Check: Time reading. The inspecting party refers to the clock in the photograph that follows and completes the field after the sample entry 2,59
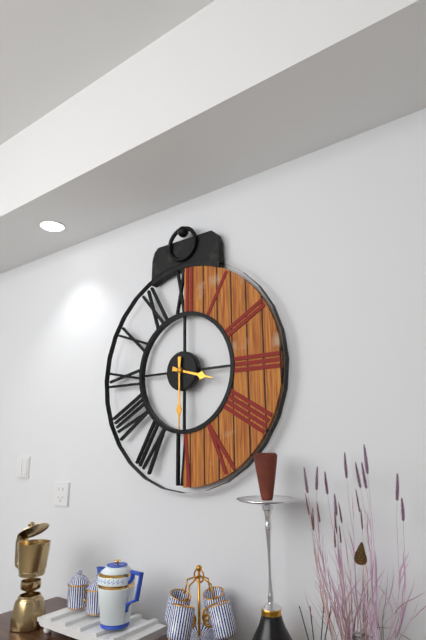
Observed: 3,30
